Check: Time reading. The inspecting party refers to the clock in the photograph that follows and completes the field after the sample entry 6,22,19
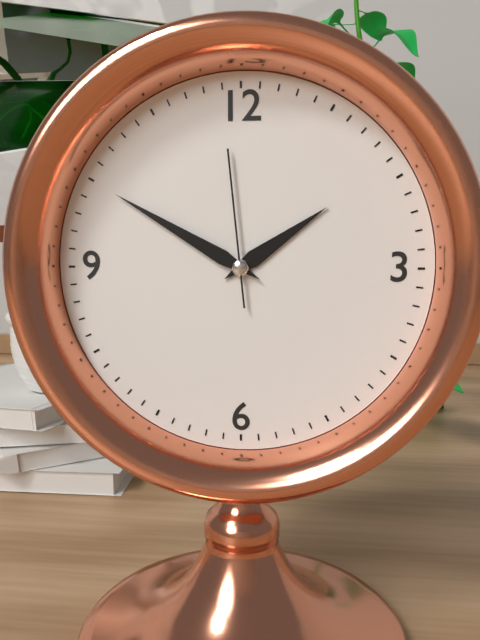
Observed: 1,50,59
